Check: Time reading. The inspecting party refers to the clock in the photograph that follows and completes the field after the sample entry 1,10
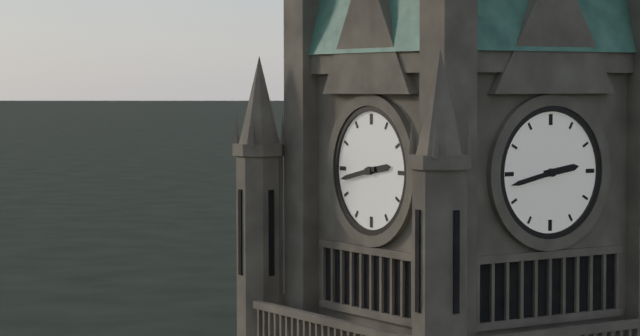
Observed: 2,43
